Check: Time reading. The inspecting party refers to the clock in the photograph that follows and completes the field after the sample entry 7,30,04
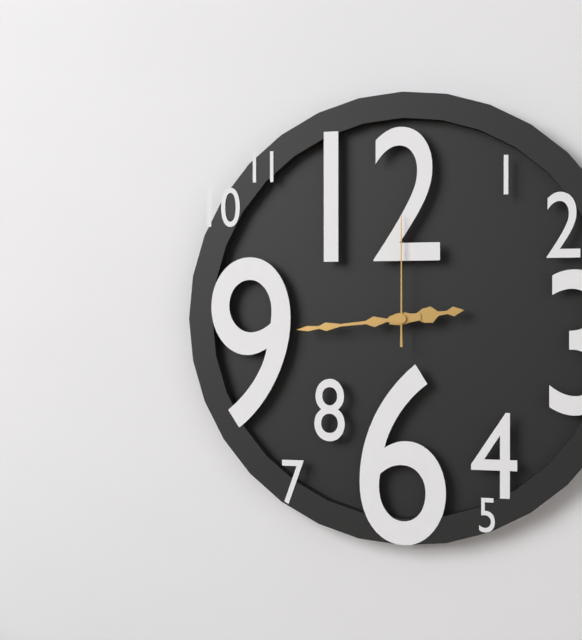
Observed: 2,44,00
